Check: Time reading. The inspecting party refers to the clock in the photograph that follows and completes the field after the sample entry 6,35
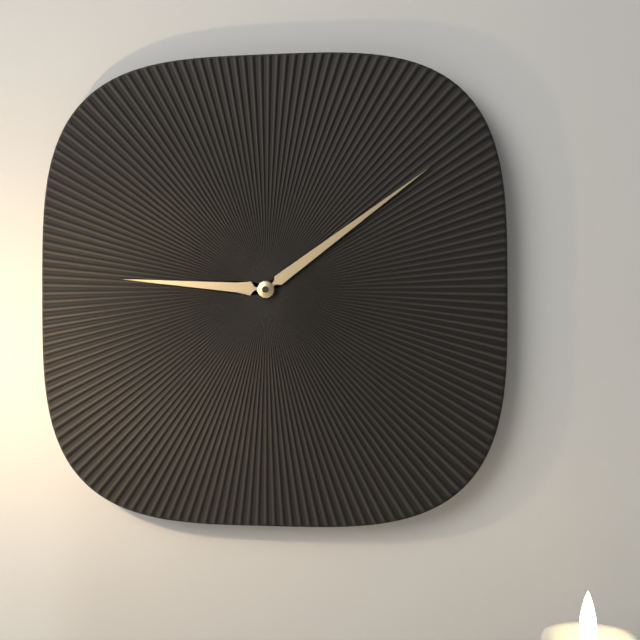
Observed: 9,09
